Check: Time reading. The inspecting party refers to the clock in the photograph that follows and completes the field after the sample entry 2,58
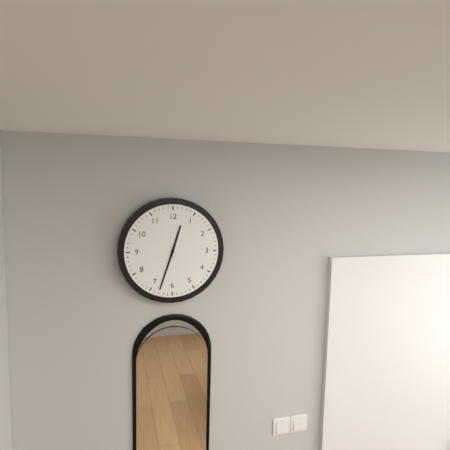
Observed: 12,33
